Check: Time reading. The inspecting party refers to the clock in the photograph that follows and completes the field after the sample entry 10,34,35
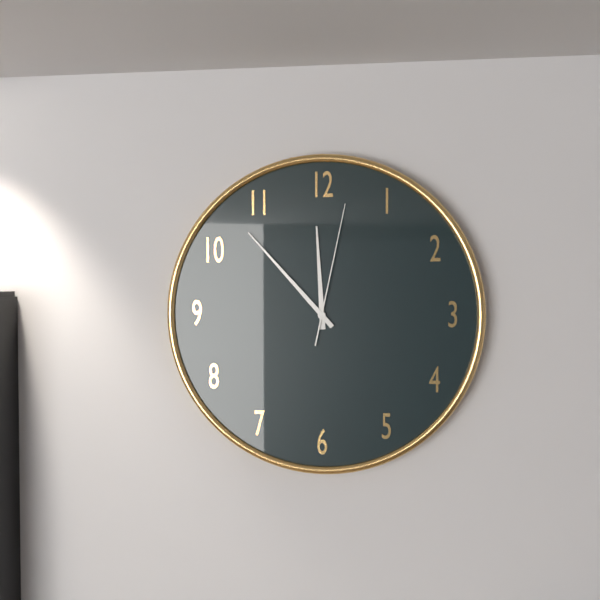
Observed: 11,53,02
